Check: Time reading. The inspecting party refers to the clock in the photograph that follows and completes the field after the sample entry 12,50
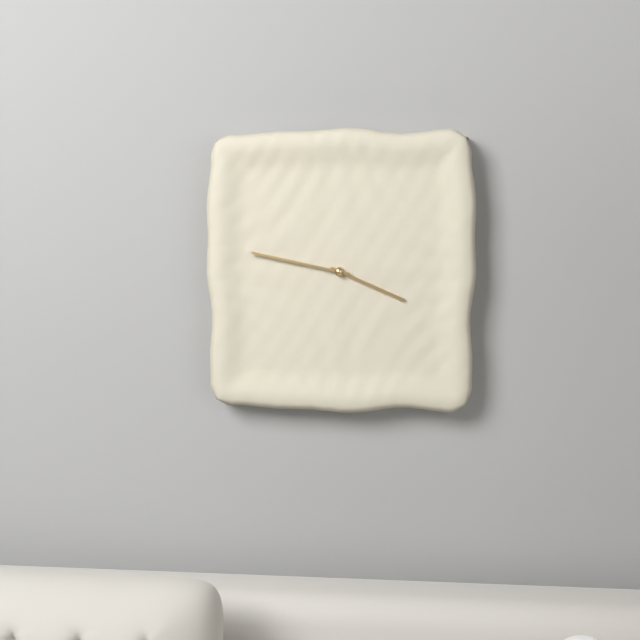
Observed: 3,47
